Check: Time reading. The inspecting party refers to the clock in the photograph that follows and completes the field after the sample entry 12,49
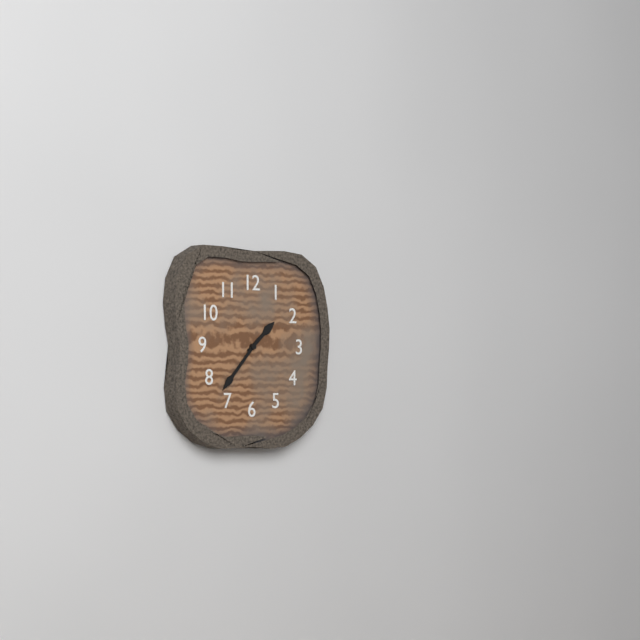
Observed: 1,37
